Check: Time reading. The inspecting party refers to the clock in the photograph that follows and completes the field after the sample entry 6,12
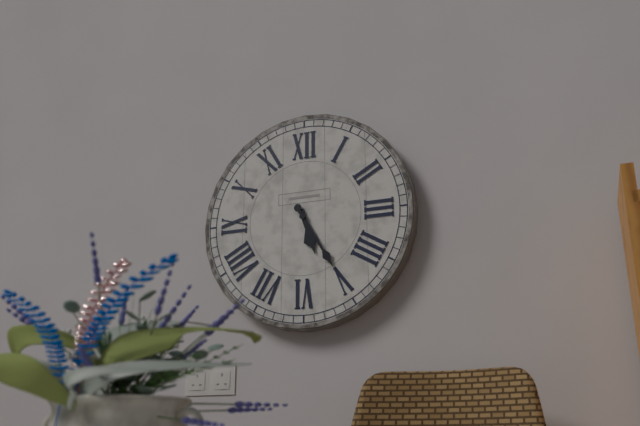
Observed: 5,25
